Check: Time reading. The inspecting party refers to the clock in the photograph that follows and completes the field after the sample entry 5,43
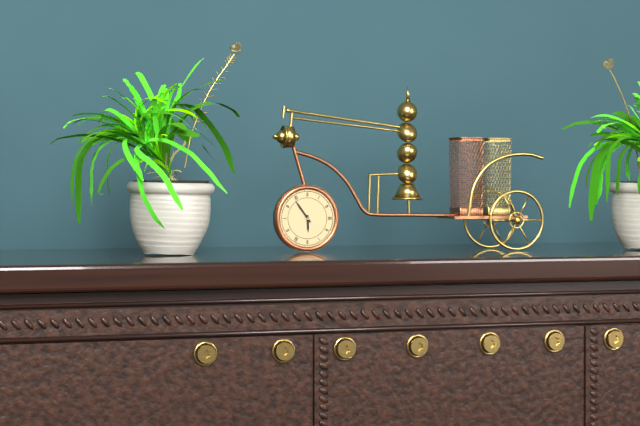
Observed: 5,54
